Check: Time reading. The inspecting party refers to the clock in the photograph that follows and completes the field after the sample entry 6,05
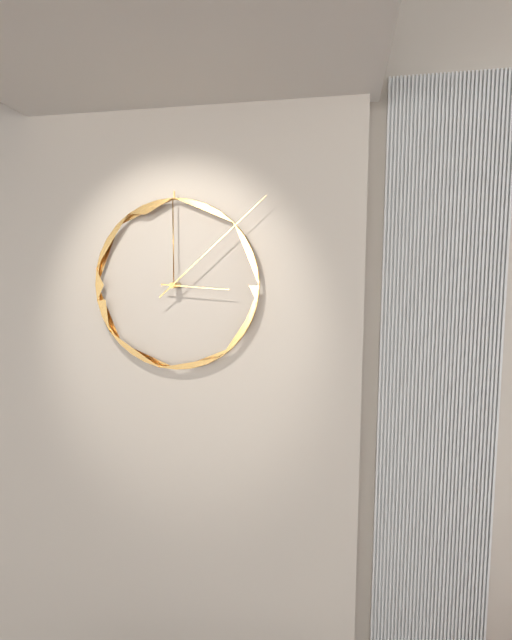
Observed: 3,08
